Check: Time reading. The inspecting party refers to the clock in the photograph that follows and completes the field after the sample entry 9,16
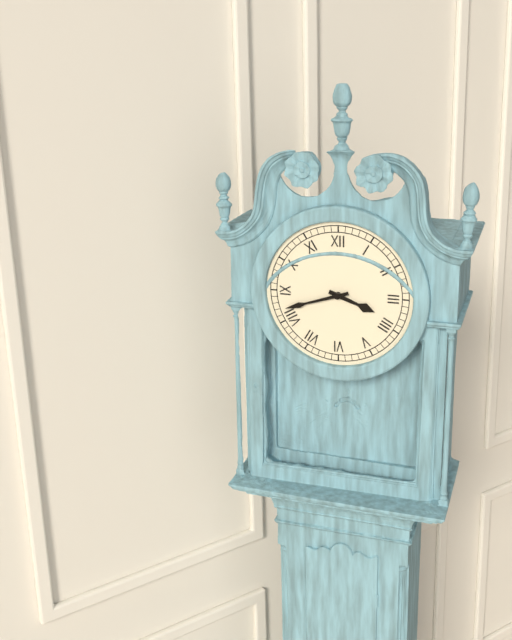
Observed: 3,42
